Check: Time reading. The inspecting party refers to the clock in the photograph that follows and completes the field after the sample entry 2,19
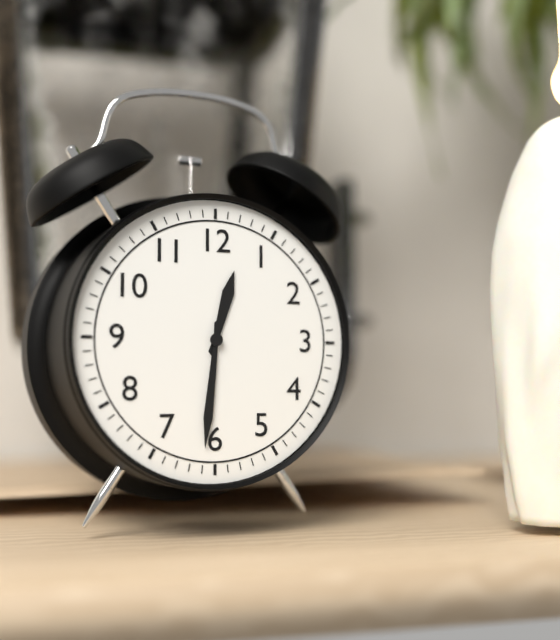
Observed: 12,31
